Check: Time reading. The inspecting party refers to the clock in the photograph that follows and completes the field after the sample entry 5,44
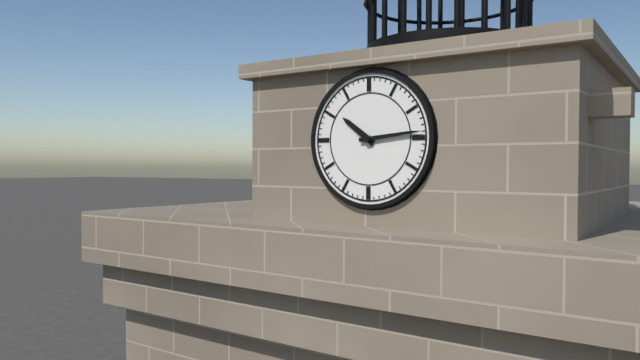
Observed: 10,14
